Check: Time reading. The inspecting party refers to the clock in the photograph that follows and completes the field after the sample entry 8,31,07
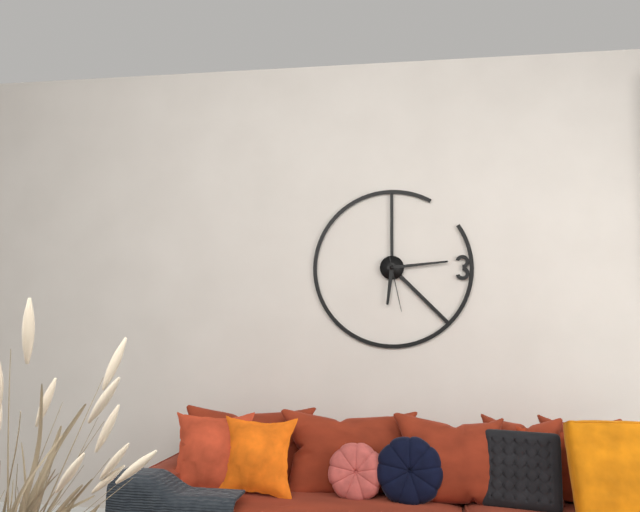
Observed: 6,14,28
